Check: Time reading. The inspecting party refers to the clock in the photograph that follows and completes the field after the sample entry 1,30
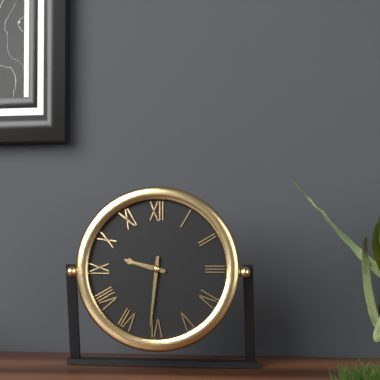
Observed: 9,31
